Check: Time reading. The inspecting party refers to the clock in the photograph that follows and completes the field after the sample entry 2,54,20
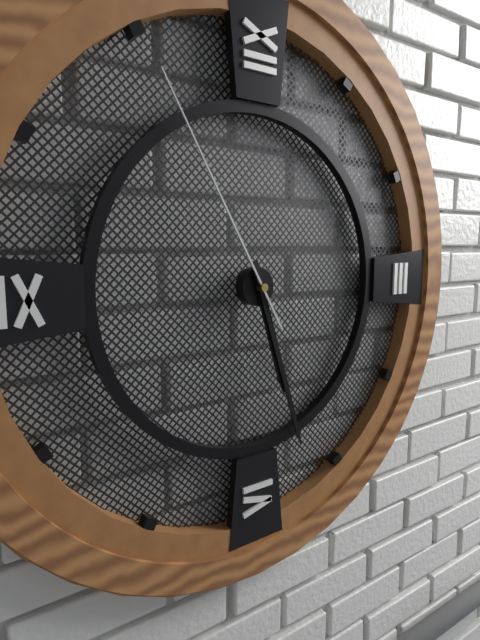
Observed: 5,27,55
